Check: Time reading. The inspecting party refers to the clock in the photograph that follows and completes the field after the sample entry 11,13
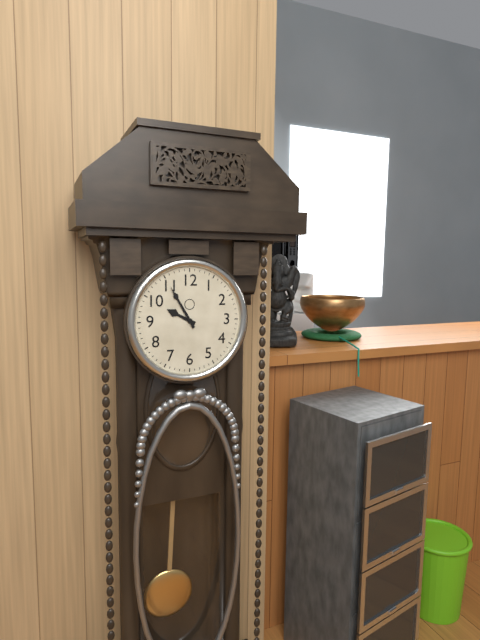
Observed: 9,55
